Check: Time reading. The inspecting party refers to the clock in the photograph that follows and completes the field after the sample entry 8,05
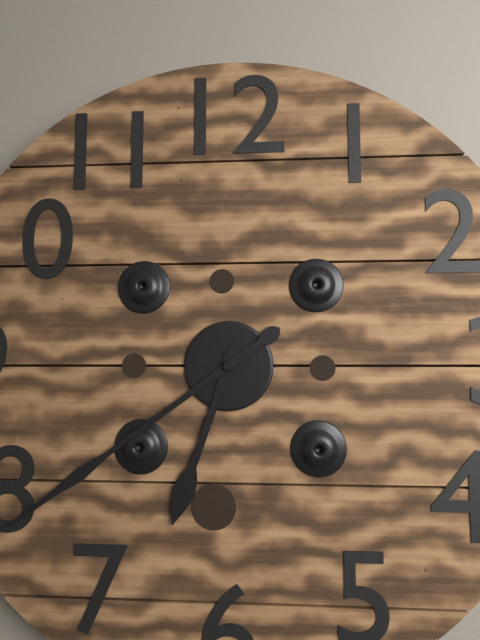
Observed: 6,39
